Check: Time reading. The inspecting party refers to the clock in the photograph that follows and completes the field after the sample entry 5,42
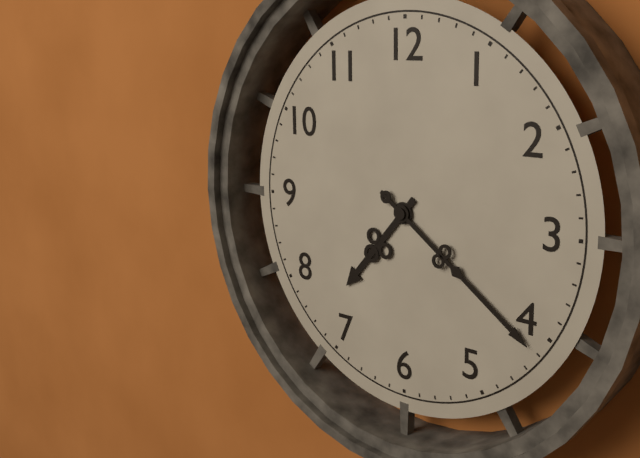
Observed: 7,21
